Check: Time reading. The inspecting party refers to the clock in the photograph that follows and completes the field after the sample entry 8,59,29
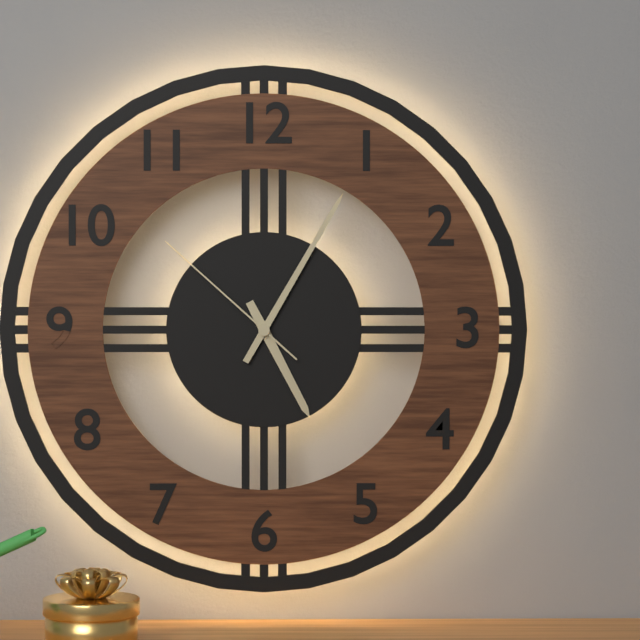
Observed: 5,05,52
